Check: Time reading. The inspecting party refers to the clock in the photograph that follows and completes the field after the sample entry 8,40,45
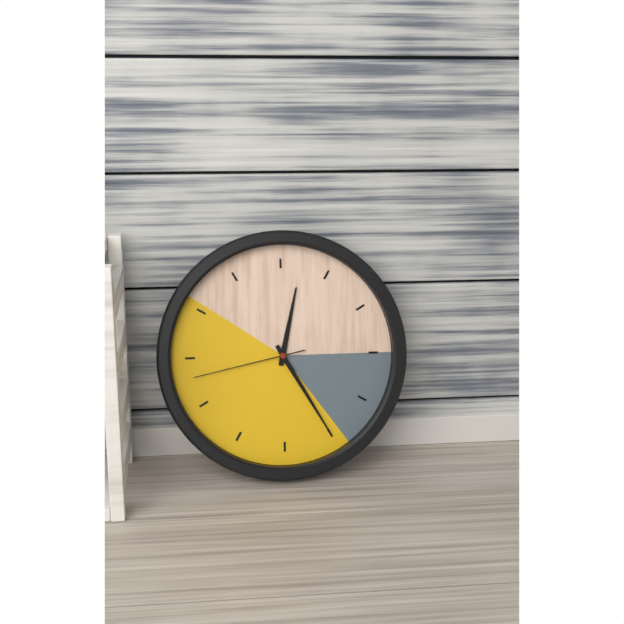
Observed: 12,25,43
